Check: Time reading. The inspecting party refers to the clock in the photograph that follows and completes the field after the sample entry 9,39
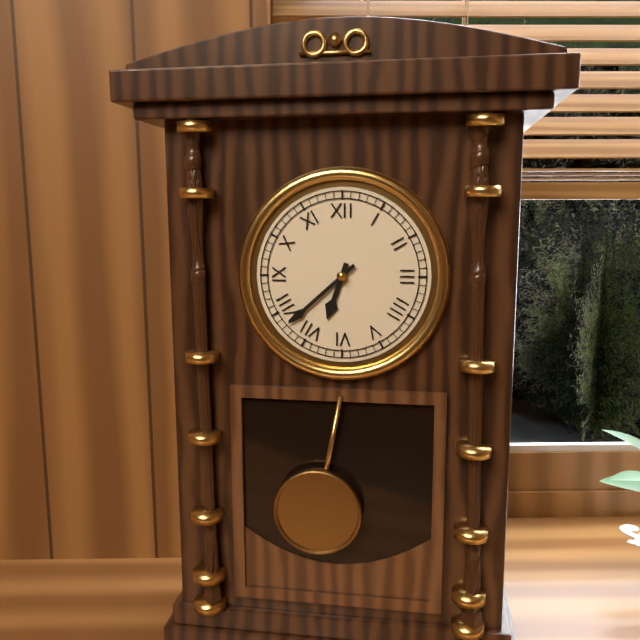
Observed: 6,38
